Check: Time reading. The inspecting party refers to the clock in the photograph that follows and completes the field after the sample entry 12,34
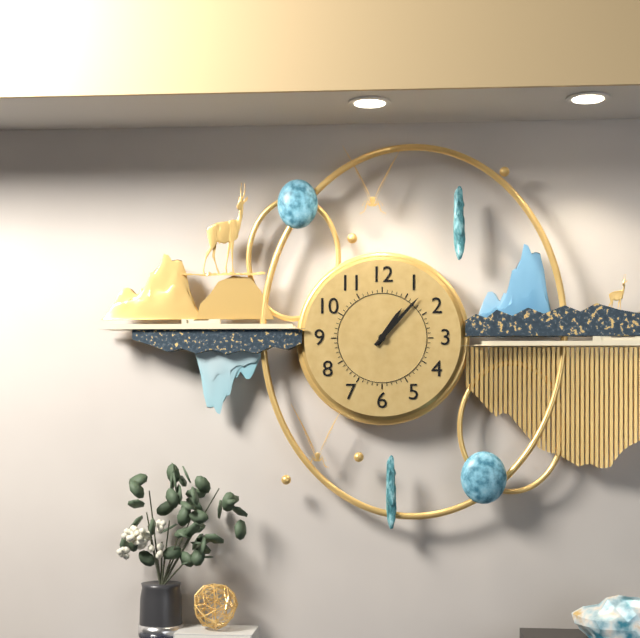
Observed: 1,07
